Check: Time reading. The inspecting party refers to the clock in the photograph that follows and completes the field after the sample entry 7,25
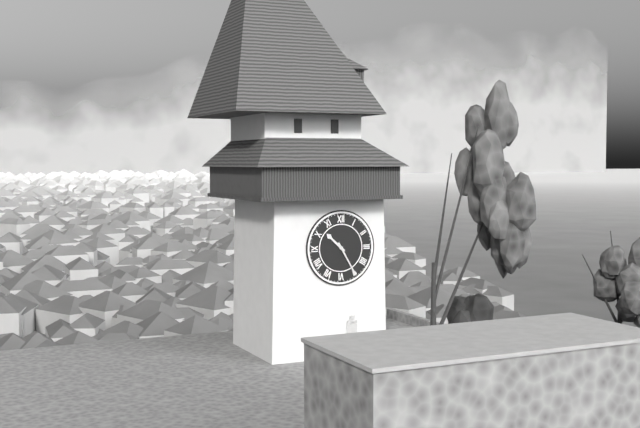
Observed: 10,25
